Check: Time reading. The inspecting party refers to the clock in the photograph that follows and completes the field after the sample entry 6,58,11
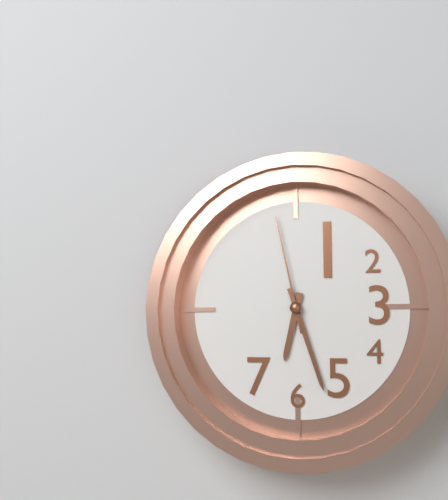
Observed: 6,27,58
